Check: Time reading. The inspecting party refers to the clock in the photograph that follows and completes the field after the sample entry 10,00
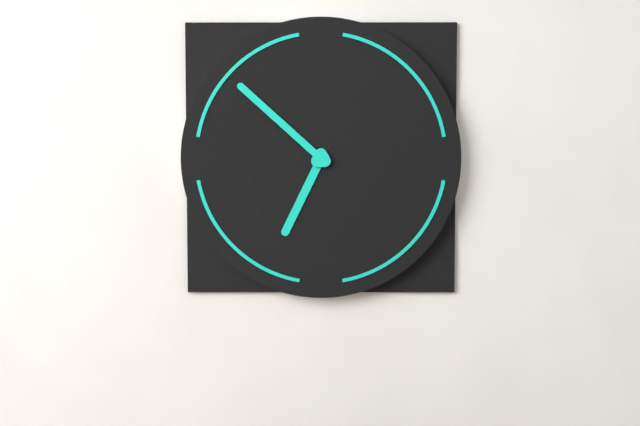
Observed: 6,52
